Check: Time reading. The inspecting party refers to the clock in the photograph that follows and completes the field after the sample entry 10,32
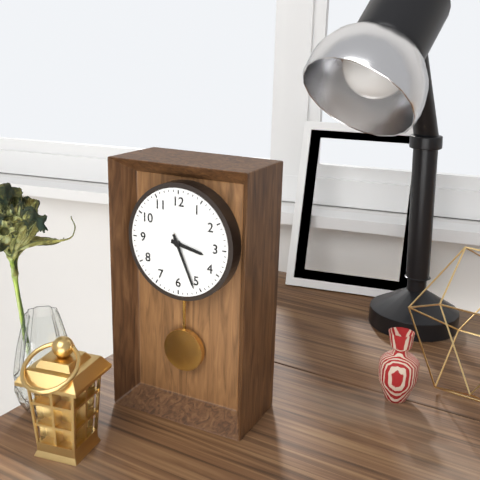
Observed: 3,26
